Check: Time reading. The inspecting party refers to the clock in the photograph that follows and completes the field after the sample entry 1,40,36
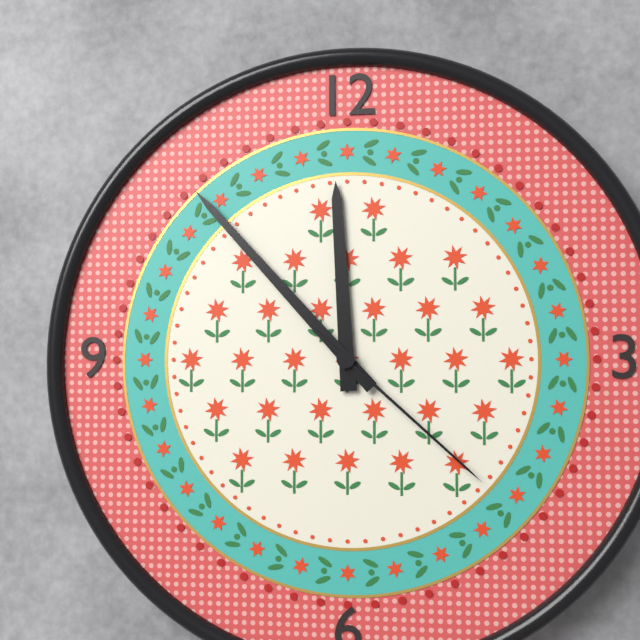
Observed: 11,53,22
